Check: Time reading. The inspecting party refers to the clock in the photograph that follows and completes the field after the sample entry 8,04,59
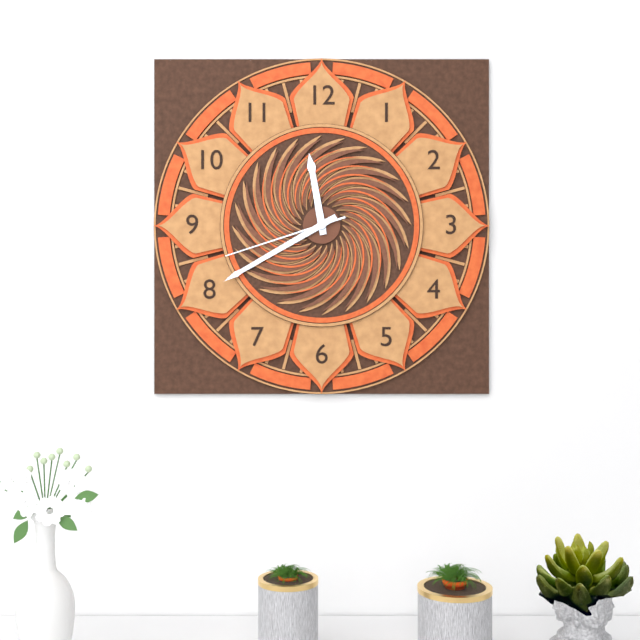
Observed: 11,40,42
